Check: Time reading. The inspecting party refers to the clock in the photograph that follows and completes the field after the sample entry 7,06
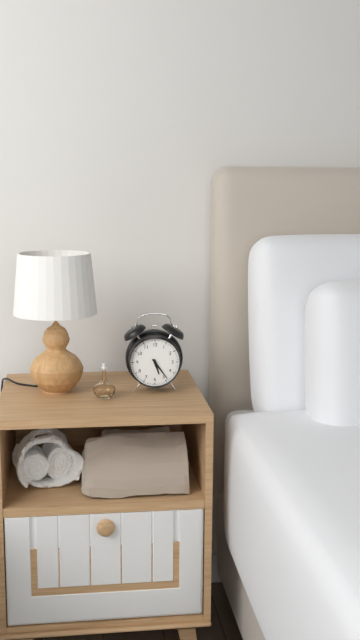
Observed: 5,24
